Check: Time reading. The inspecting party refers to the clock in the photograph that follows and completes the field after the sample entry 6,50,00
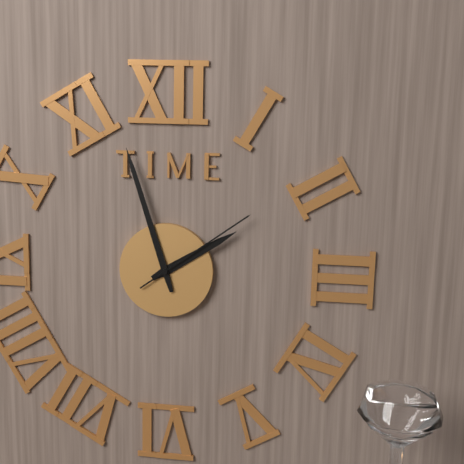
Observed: 1,57,09
